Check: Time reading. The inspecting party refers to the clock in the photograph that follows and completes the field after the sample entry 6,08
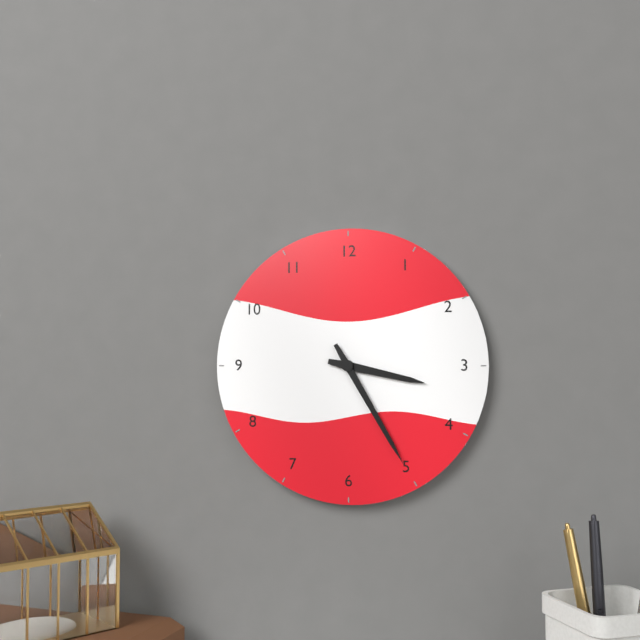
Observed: 3,25
